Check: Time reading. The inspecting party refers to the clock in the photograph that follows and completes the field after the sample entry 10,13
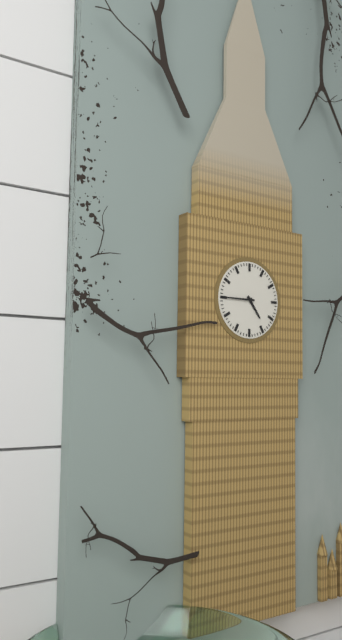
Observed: 4,45
